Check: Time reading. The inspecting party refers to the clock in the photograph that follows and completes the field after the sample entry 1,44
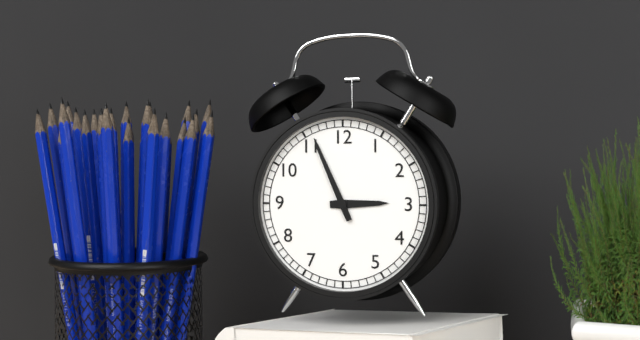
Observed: 2,56
